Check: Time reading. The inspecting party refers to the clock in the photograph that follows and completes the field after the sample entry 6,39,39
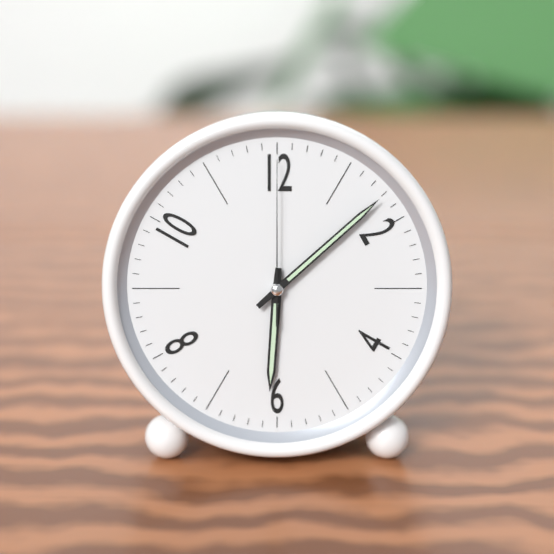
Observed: 6,08,00
